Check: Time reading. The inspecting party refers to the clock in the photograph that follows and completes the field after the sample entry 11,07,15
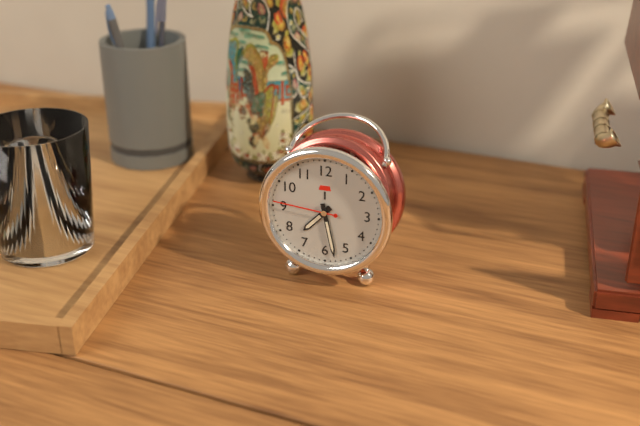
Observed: 7,28,46
